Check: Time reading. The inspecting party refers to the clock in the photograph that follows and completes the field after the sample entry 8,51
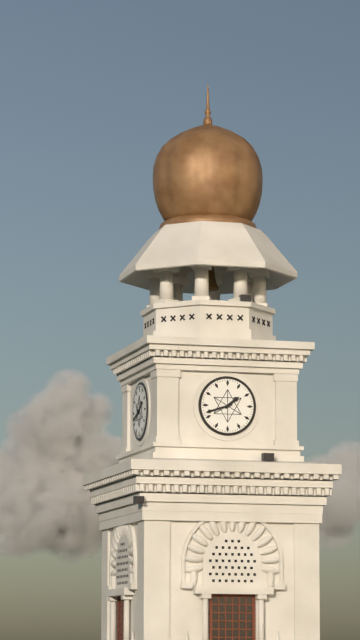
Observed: 1,42
